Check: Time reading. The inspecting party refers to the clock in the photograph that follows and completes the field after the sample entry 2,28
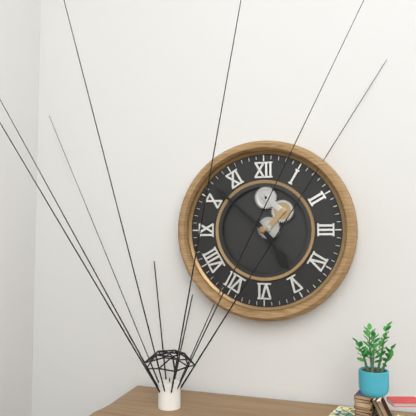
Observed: 4,52
